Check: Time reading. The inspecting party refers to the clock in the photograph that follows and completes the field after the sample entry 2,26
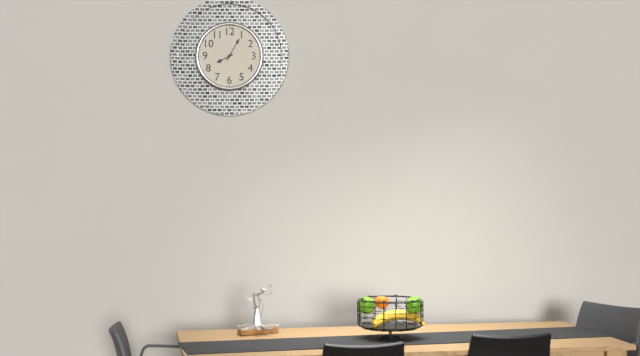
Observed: 8,05
